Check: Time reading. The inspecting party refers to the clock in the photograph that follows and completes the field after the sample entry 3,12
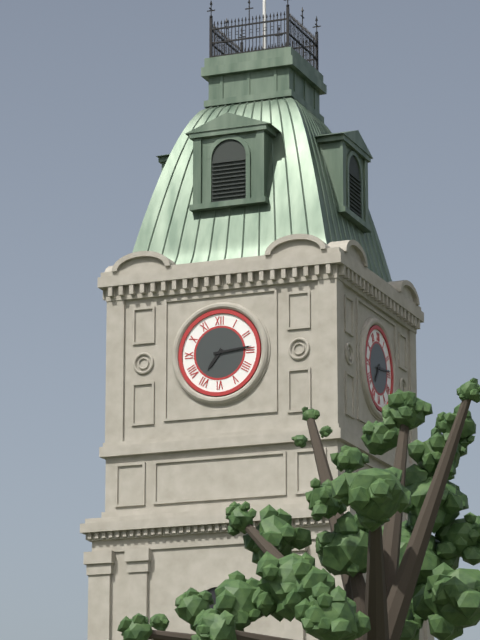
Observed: 7,14
